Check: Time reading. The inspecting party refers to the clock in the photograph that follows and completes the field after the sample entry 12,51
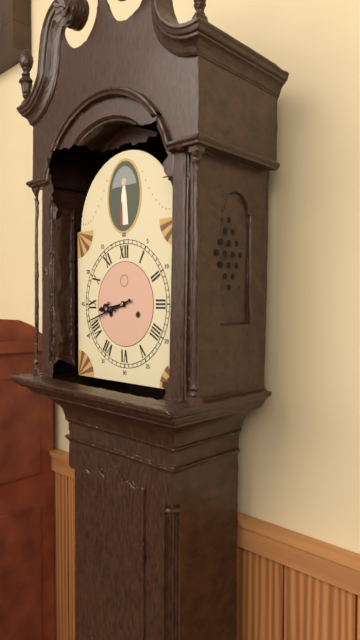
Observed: 8,42
